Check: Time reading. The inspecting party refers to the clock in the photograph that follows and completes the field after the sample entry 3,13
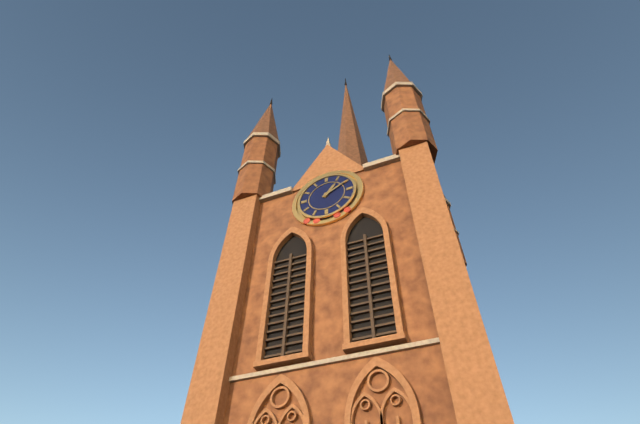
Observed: 1,10
